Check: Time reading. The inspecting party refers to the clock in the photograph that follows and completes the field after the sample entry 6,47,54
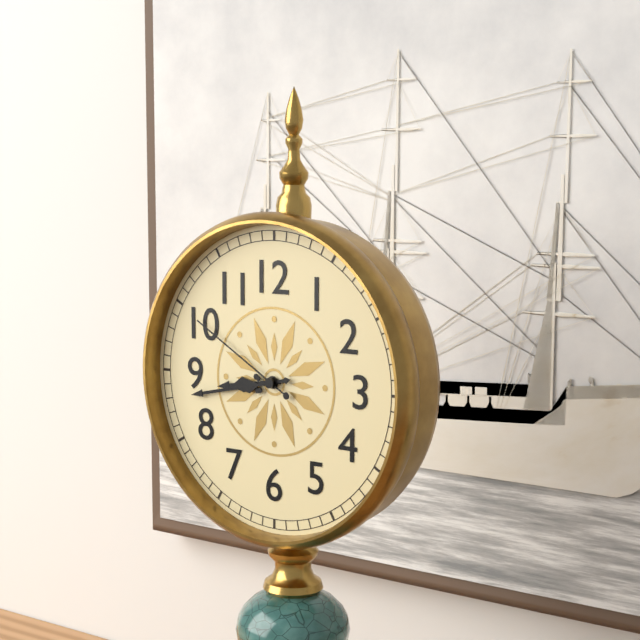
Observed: 8,43,50
